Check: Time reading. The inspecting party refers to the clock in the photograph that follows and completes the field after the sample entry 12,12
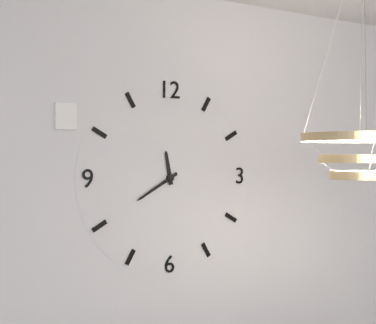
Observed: 11,40
